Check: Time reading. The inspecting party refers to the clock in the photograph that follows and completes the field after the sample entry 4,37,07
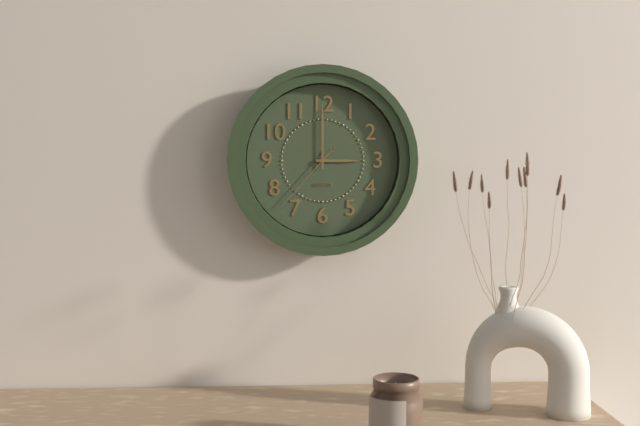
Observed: 3,00,37
